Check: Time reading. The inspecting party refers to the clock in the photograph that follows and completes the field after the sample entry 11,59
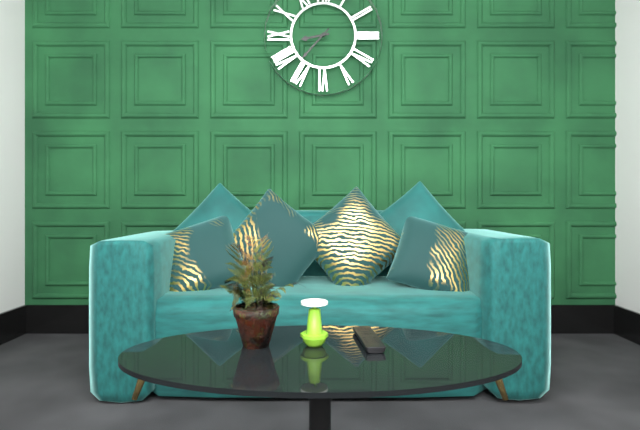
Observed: 8,37
